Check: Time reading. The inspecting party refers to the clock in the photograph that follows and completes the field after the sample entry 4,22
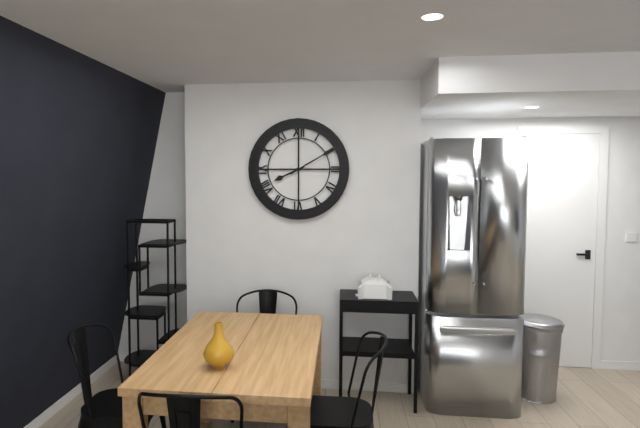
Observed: 8,10
